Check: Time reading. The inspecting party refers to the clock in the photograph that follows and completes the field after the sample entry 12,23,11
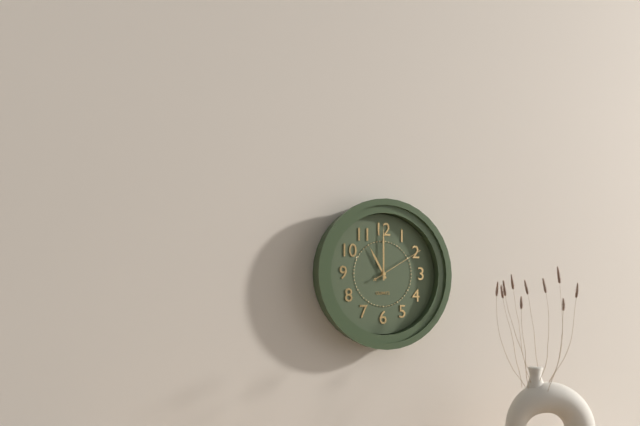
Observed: 11,00,10
